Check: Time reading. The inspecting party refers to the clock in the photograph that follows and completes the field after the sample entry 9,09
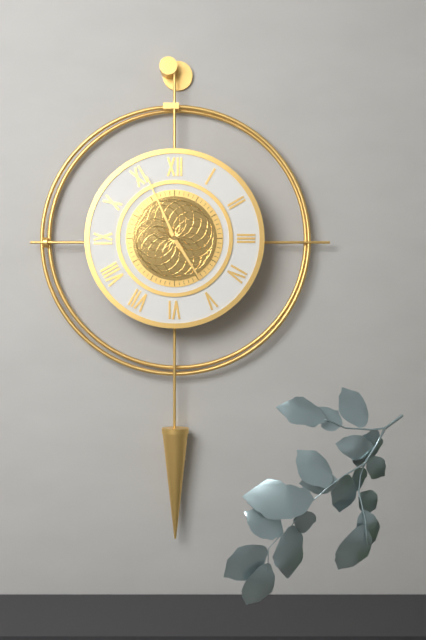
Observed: 4,56
